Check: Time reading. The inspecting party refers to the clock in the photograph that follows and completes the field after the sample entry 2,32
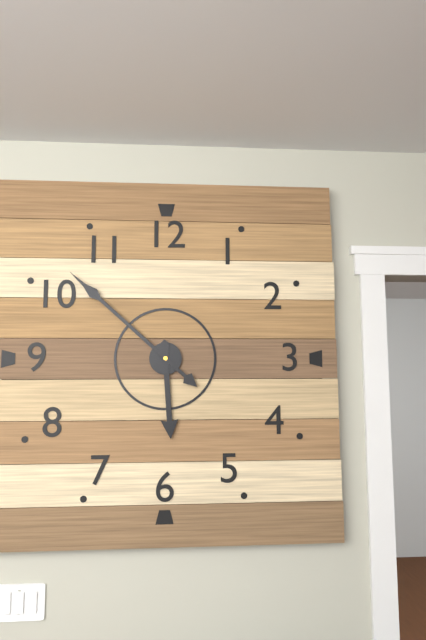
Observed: 5,52
